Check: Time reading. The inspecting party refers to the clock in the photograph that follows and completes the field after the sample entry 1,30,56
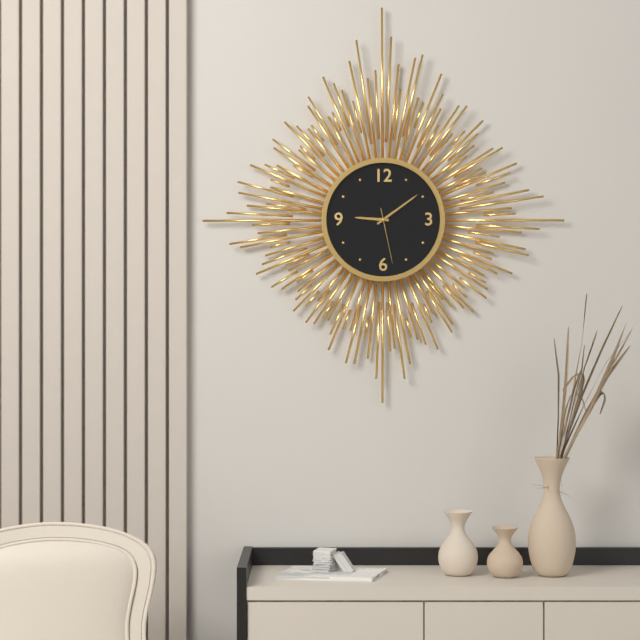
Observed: 9,09,28
